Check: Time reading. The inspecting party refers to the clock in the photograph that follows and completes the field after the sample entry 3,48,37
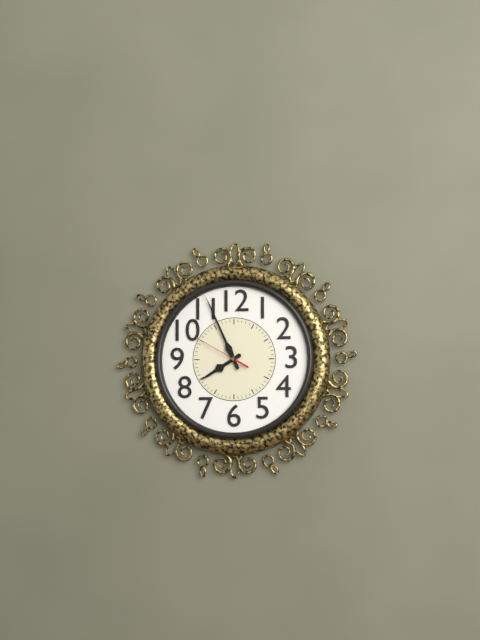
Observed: 7,56,50
